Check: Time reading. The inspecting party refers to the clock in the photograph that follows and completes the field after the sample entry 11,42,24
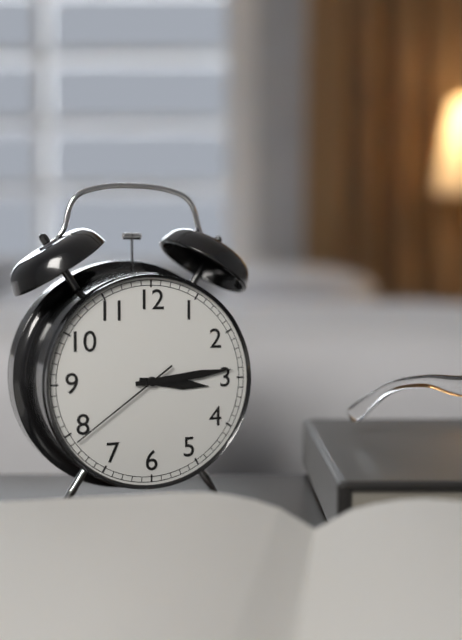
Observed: 3,14,39
